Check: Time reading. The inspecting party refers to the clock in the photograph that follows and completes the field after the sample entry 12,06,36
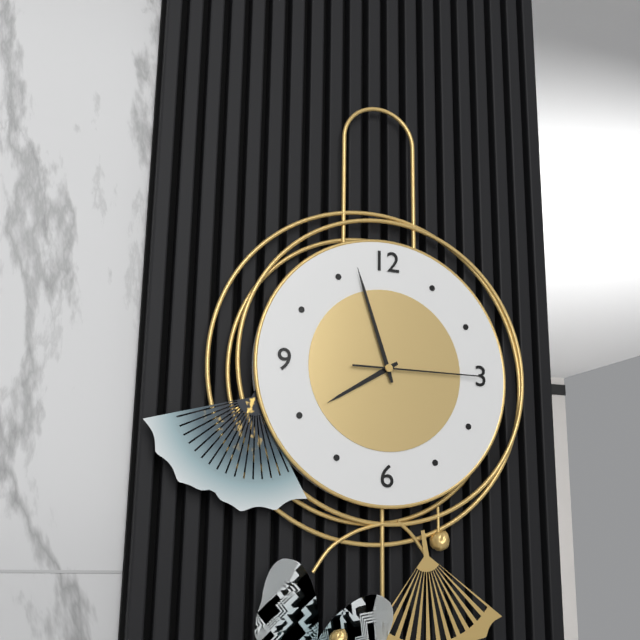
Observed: 7,57,15
